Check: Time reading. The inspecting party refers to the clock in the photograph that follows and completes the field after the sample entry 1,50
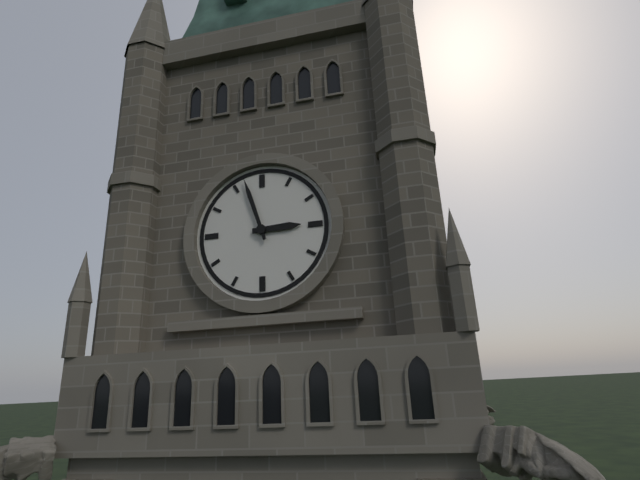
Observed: 2,57
